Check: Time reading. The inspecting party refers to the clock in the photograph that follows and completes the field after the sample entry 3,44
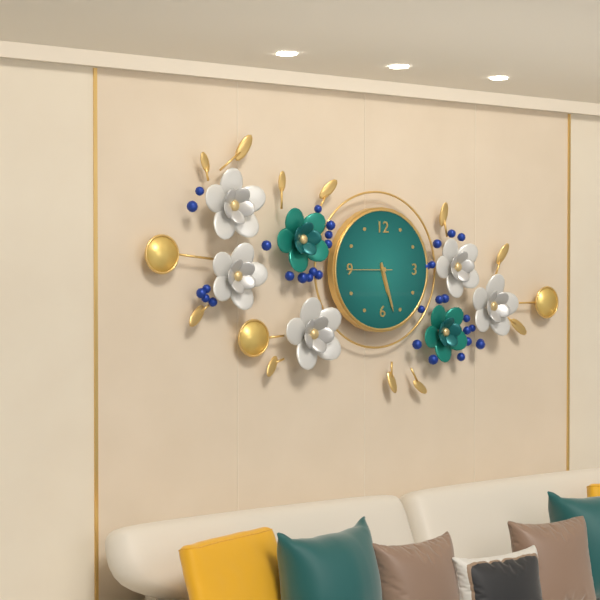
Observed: 5,27
